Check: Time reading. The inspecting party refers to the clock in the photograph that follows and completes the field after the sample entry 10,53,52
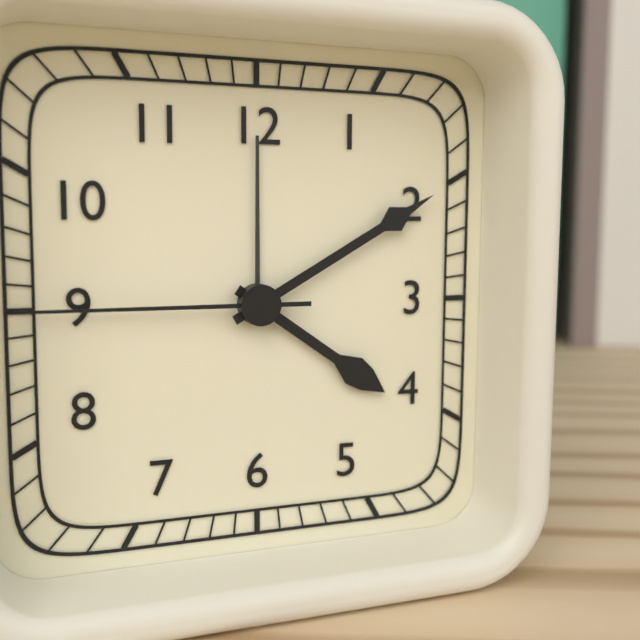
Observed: 4,10,45
